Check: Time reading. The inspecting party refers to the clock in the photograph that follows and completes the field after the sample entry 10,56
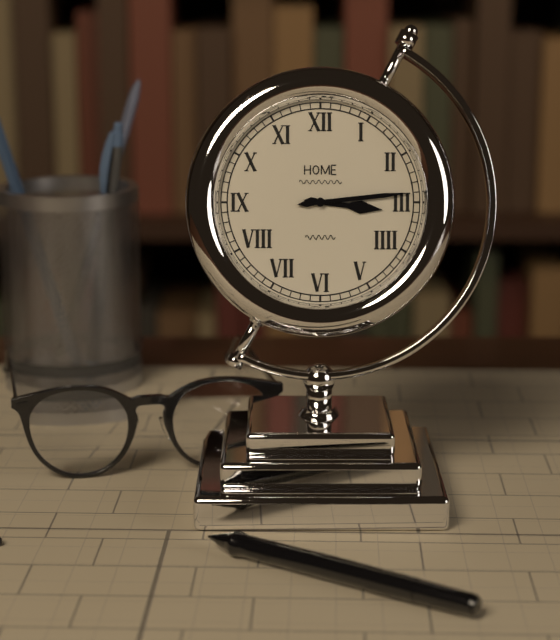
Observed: 3,14
